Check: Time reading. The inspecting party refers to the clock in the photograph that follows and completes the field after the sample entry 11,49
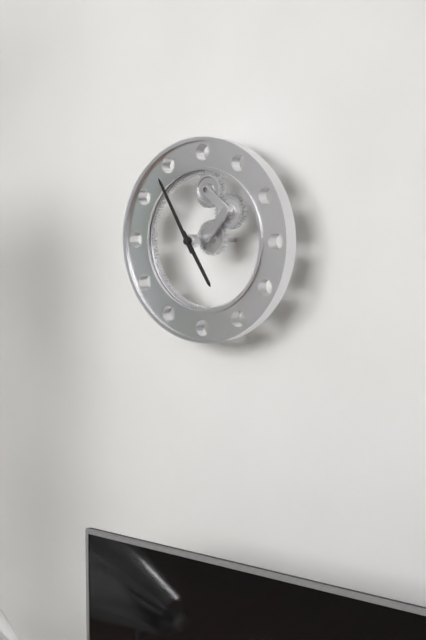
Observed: 4,55
